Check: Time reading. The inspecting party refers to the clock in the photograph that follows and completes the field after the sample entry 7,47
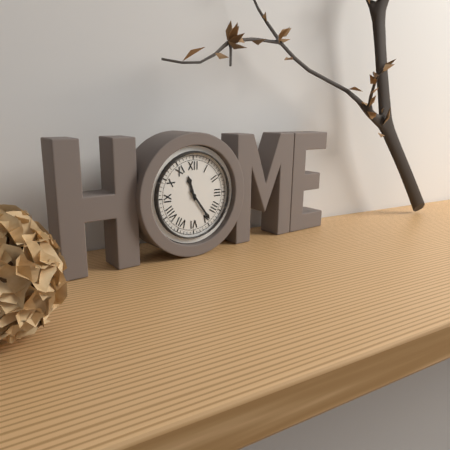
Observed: 11,24
